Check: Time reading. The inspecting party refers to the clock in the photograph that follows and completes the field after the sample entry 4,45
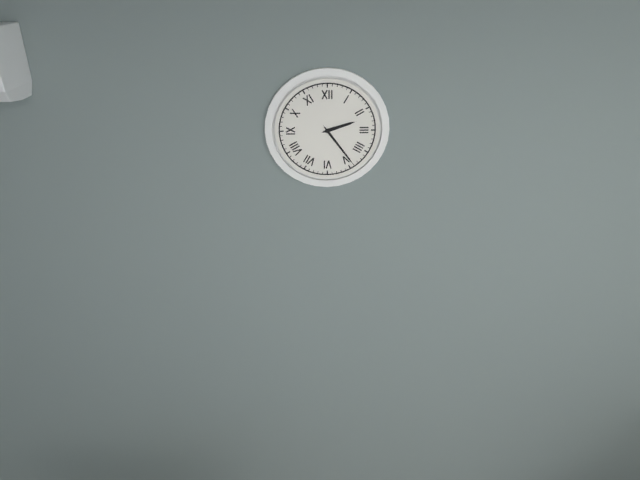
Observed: 2,24
